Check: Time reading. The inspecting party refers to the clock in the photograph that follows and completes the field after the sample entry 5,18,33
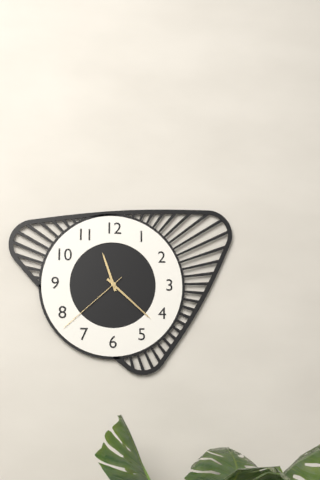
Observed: 11,22,38
